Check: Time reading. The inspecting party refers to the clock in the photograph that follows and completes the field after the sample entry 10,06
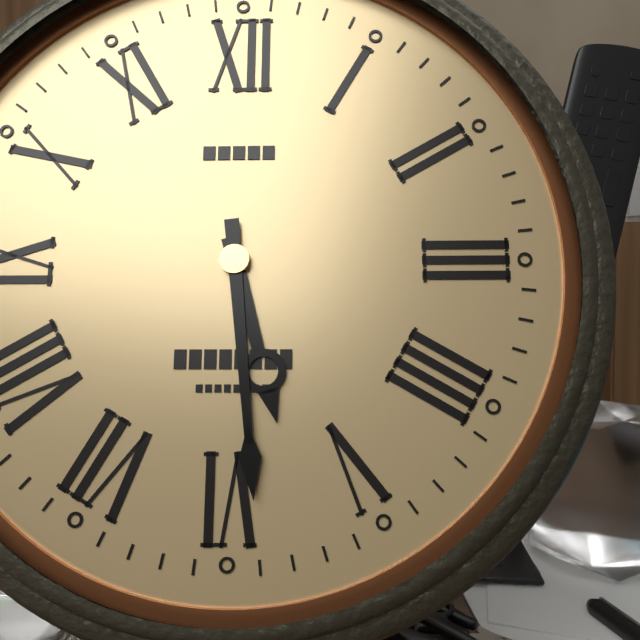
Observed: 5,29
